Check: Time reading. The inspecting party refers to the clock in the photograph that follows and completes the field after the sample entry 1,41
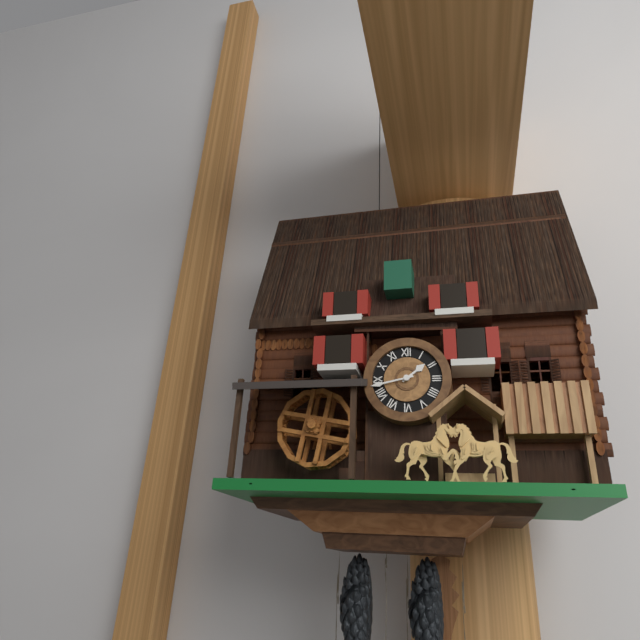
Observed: 1,43
